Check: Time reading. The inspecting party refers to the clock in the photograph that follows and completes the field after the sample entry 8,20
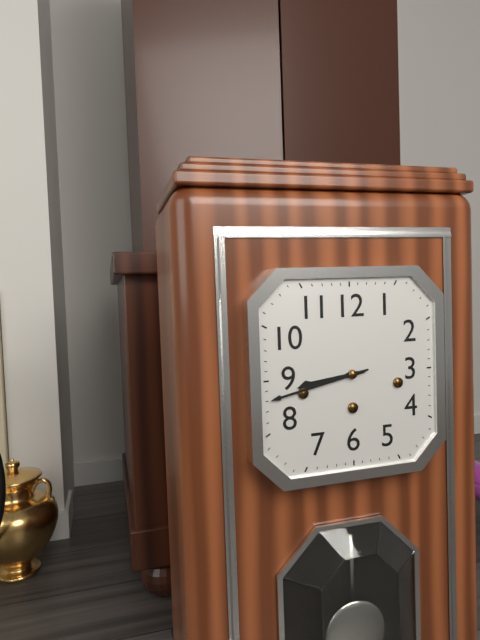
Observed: 8,43
